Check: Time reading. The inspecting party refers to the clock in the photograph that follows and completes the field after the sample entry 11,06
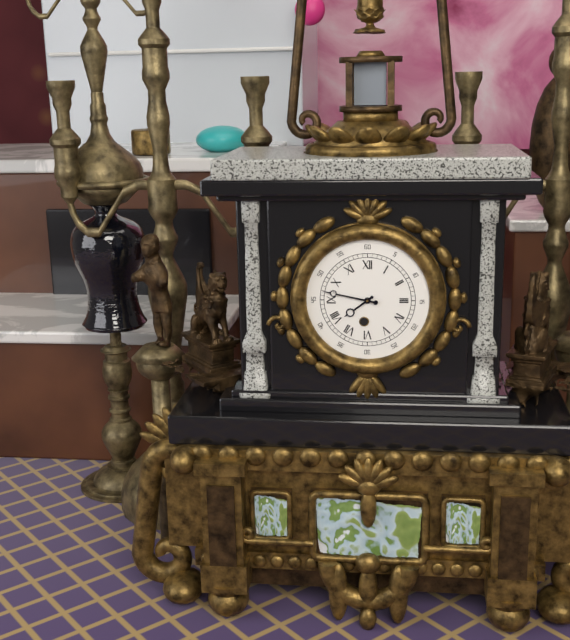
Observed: 7,47
